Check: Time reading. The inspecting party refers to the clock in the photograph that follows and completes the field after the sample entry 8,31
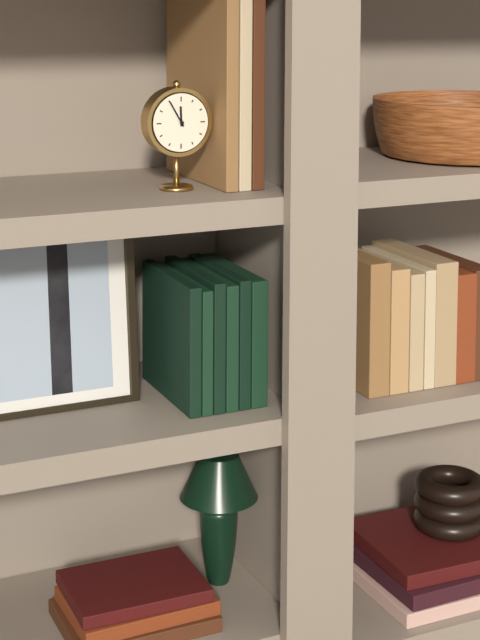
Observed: 11,55
